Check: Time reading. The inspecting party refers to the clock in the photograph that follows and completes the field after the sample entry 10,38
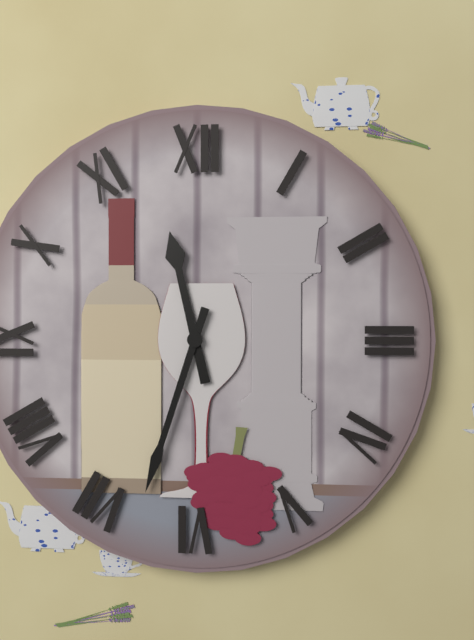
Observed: 11,33
